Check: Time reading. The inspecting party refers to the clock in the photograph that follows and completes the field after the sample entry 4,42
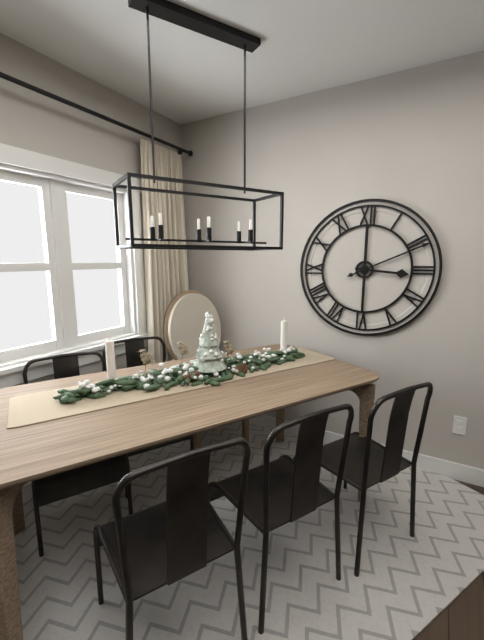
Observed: 3,11
